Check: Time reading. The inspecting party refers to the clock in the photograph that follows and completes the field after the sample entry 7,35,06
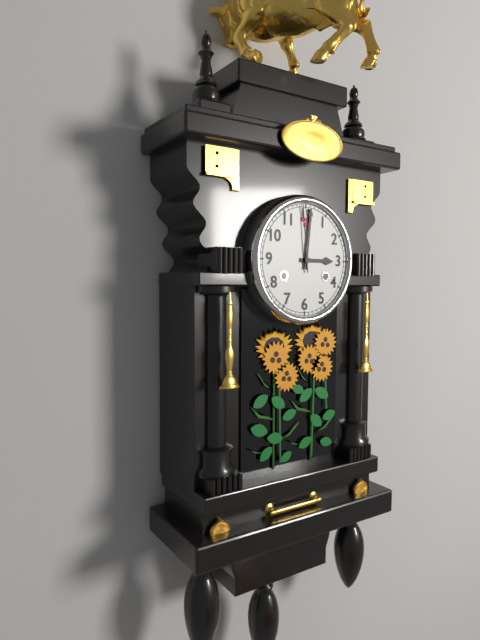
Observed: 3,01,59
